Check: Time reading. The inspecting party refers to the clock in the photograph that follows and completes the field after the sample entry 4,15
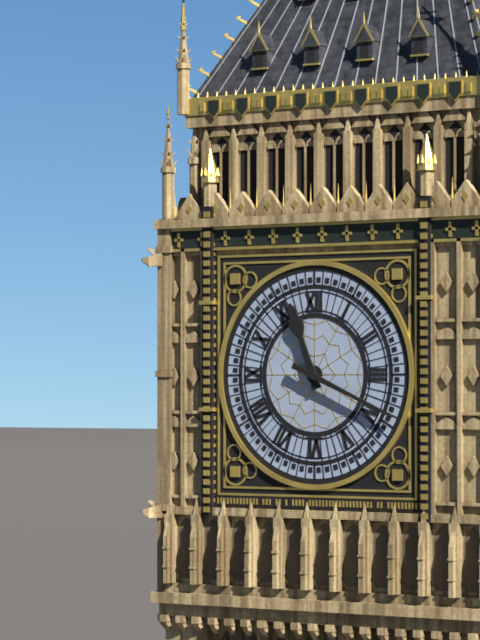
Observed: 11,19
